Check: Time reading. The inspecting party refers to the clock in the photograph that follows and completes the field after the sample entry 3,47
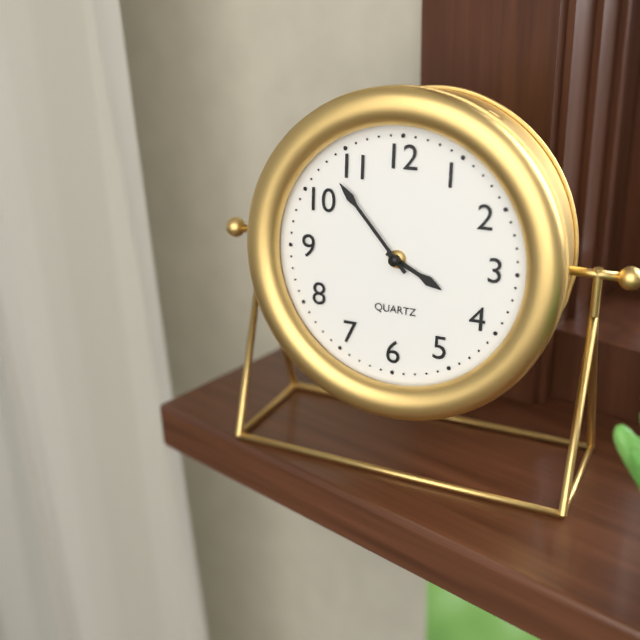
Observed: 3,53
